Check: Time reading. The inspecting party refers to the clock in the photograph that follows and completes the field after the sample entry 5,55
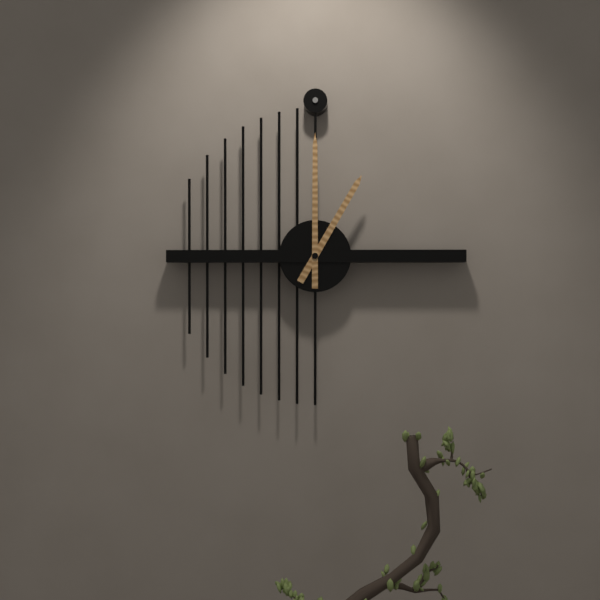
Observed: 1,00
